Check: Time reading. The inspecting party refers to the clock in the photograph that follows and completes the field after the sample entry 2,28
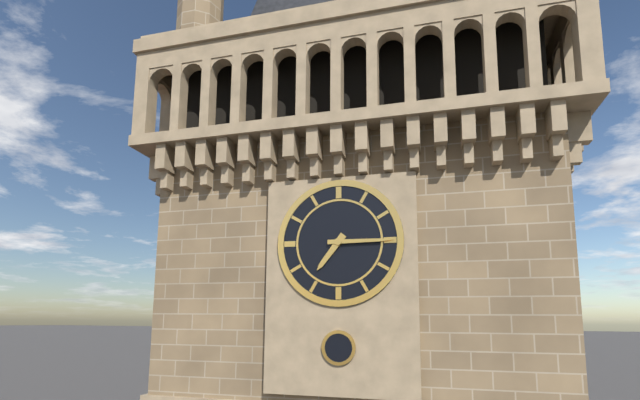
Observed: 7,15
